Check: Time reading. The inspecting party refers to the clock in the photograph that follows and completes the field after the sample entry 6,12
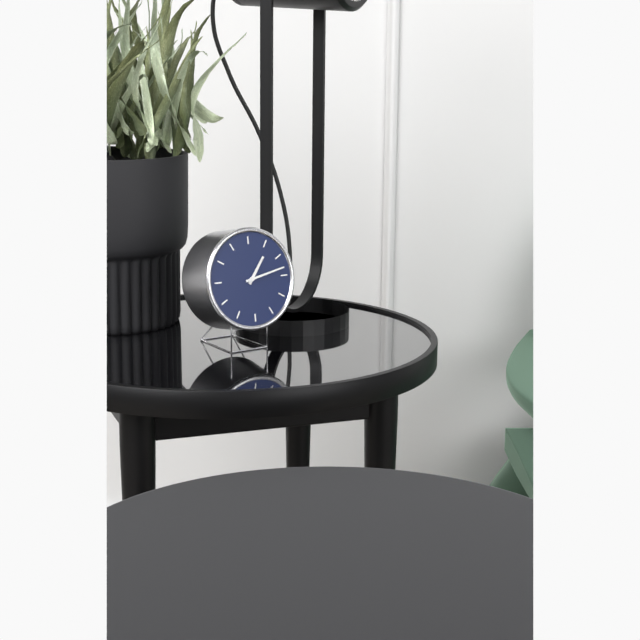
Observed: 1,13
